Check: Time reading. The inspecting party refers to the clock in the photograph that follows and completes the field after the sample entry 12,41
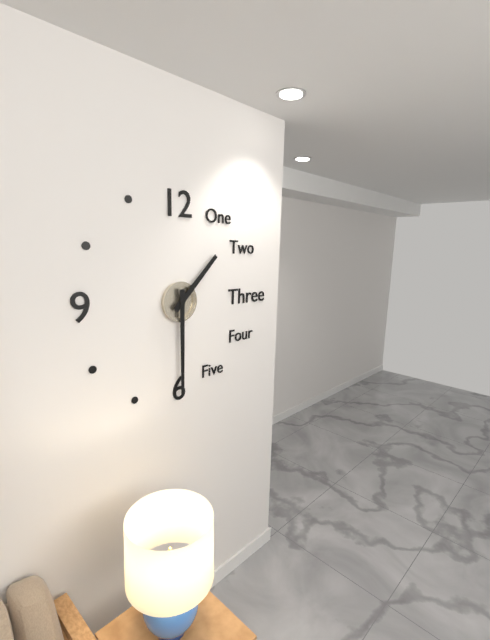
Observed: 1,30
